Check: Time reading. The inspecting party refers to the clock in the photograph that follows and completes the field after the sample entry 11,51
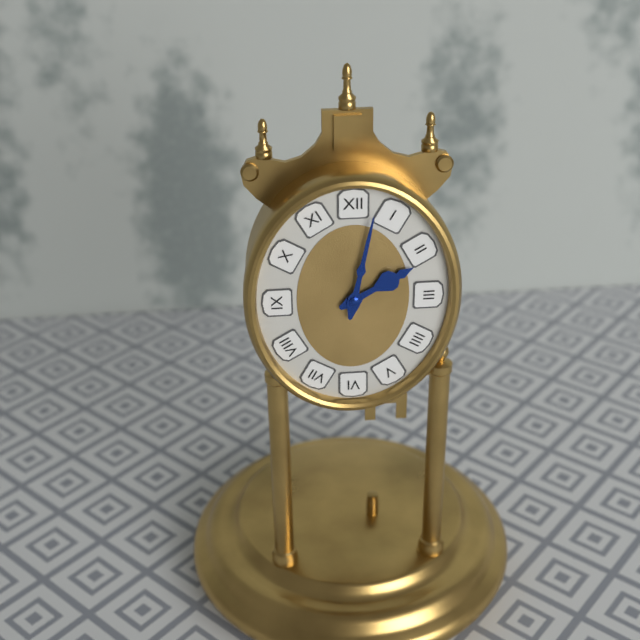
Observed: 2,02
